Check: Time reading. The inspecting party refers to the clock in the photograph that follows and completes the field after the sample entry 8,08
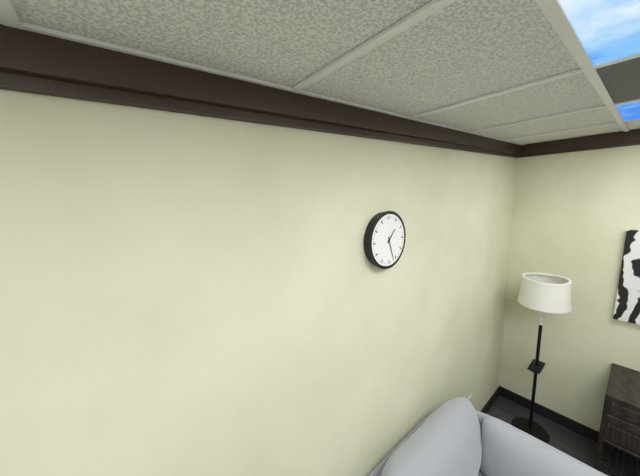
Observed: 1,27
